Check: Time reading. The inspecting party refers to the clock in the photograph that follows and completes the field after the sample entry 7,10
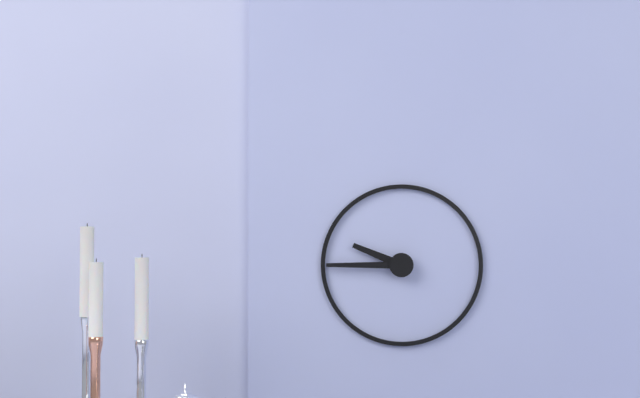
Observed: 9,45
